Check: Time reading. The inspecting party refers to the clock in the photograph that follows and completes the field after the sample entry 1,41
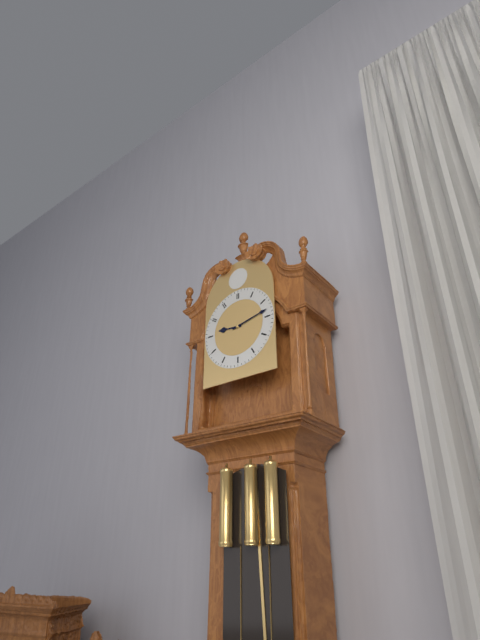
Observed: 9,13
